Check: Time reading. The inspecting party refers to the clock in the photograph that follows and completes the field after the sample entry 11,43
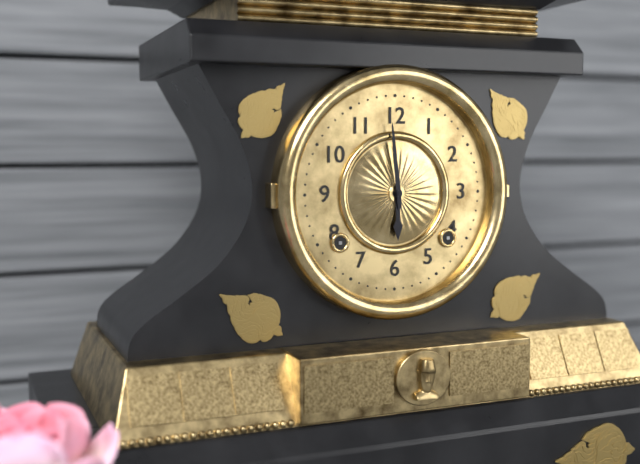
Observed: 5,59
